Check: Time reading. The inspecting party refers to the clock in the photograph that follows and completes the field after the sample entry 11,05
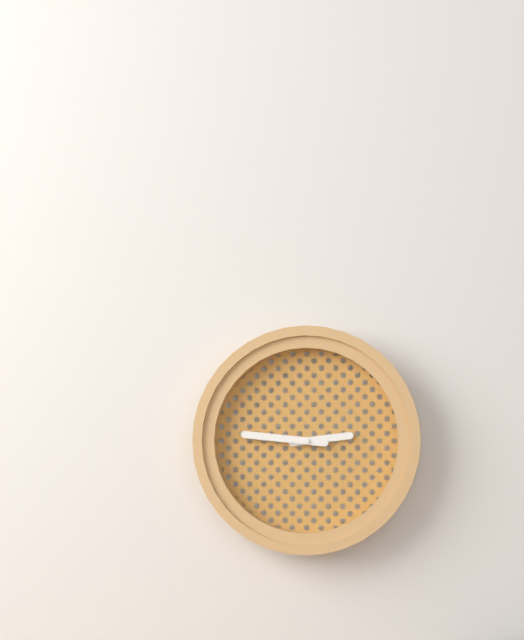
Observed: 2,46
